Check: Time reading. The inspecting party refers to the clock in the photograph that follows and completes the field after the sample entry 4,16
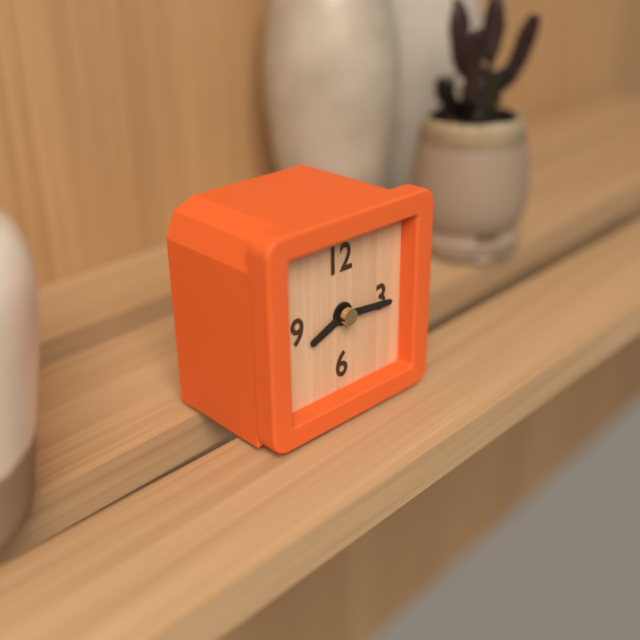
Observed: 8,16
